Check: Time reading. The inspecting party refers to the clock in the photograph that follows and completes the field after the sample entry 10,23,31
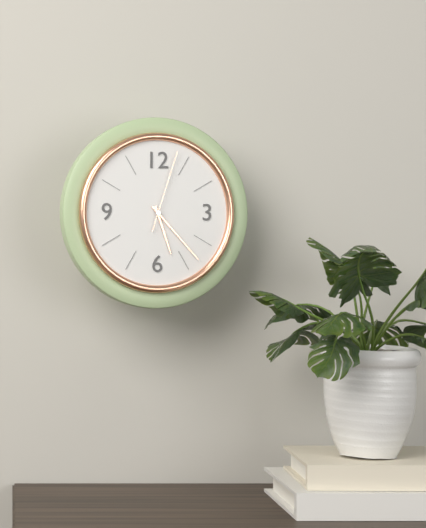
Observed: 5,23,03
